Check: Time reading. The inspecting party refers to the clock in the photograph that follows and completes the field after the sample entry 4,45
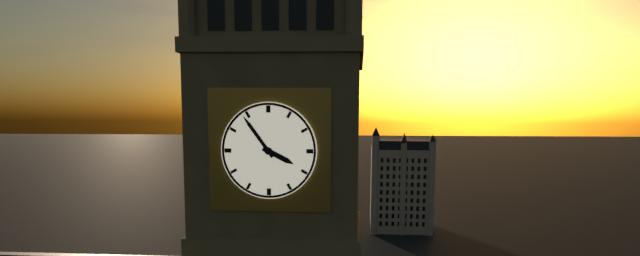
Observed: 3,54
